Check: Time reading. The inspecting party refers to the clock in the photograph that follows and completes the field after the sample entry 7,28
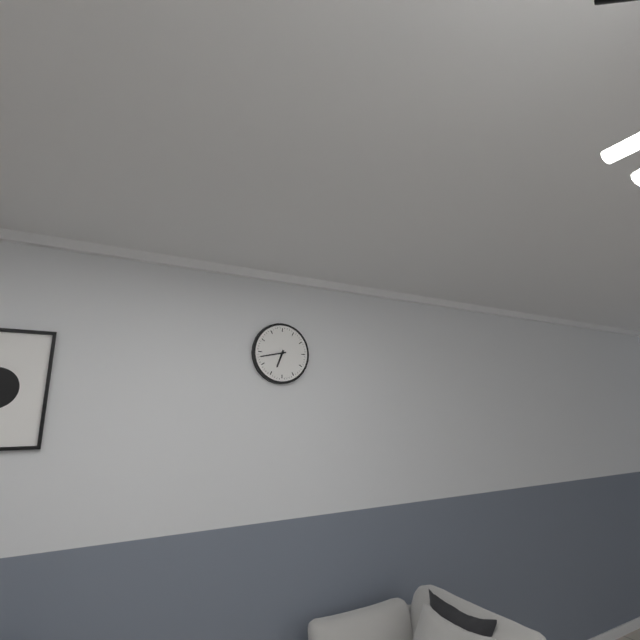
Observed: 6,43
